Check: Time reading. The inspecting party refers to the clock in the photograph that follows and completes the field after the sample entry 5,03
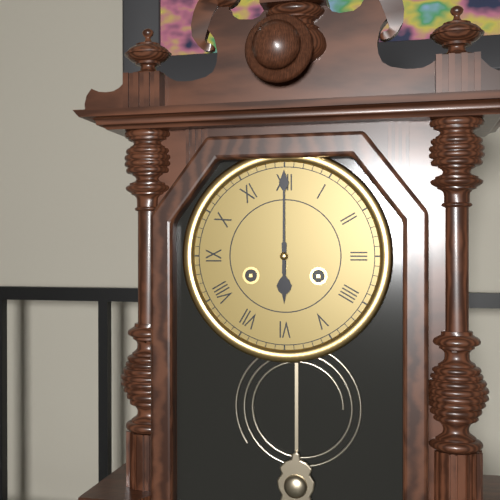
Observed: 6,00
